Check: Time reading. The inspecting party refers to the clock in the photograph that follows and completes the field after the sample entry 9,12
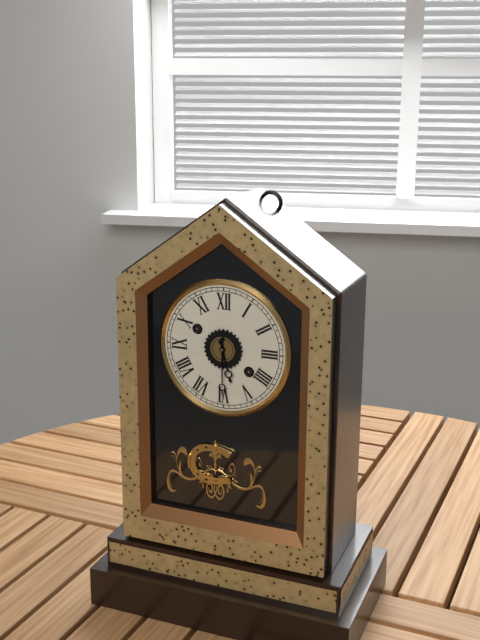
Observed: 5,30
